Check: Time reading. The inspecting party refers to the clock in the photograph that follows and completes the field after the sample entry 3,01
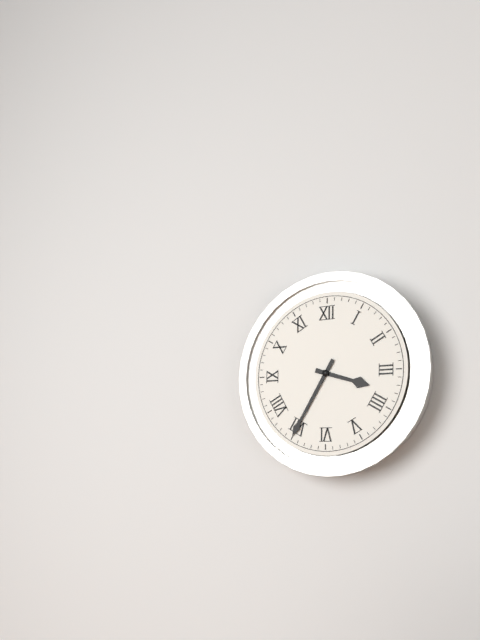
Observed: 3,35
